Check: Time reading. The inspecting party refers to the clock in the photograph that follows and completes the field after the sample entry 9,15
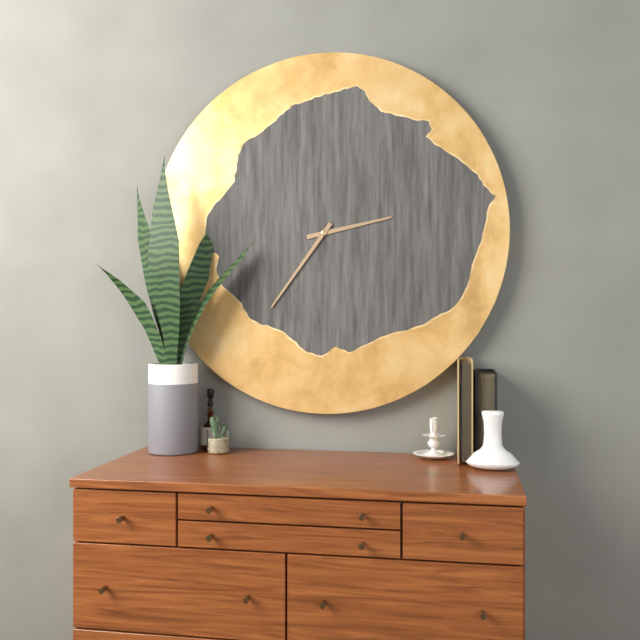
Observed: 2,36
